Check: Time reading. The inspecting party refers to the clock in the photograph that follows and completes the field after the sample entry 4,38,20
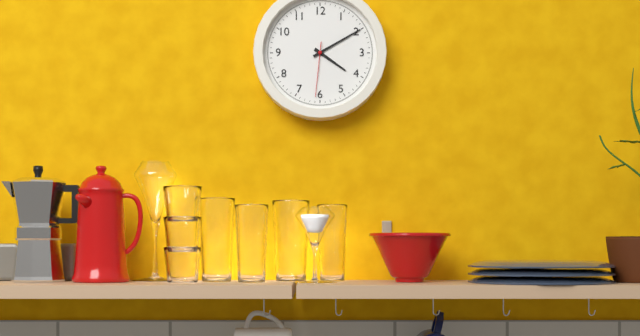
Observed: 4,10,31
